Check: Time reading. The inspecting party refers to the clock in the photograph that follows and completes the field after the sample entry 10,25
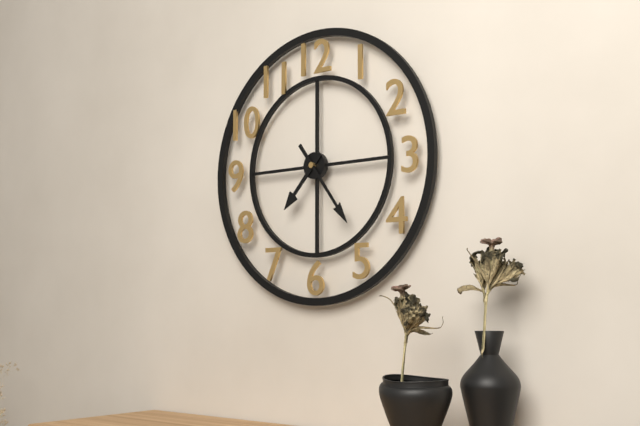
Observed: 7,24
